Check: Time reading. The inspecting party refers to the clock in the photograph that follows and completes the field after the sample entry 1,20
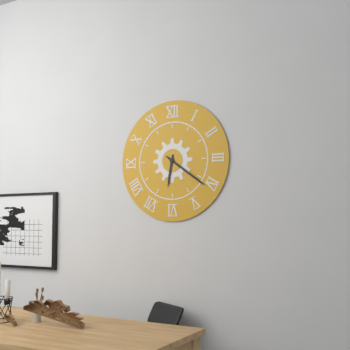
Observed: 6,21
